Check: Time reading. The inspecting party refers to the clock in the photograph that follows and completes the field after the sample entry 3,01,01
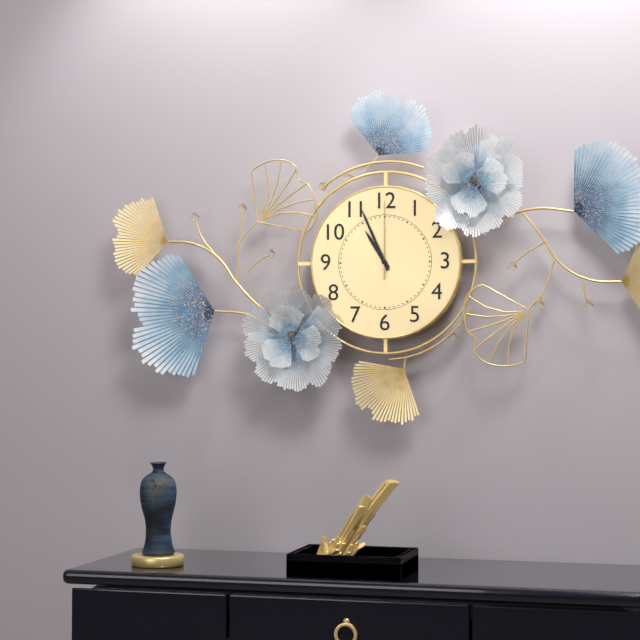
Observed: 10,56,00
